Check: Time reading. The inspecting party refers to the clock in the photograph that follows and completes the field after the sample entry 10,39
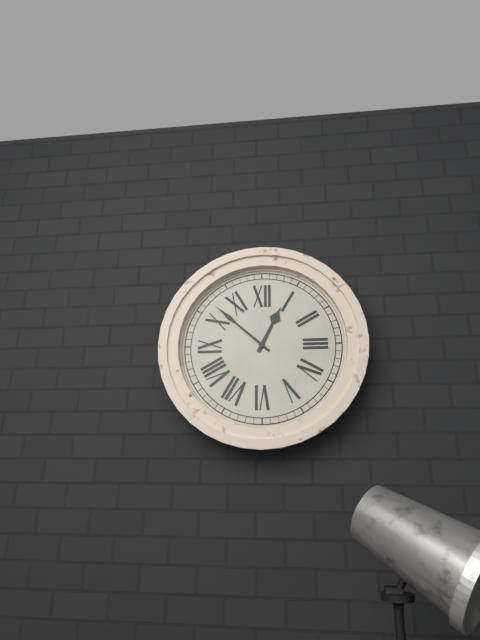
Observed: 12,52
